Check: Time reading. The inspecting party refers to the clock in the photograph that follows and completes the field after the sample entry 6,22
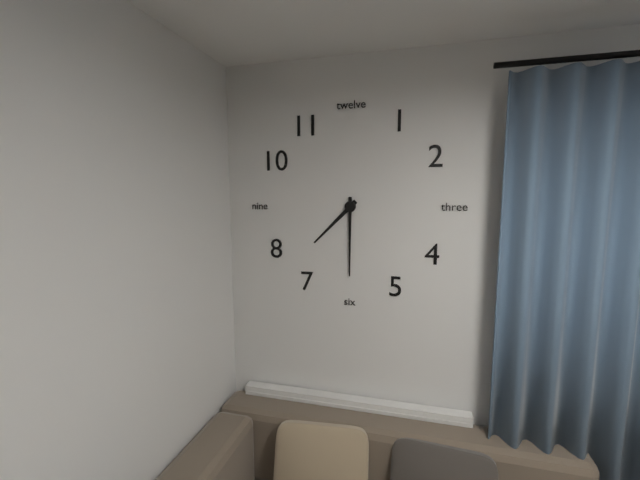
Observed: 7,30
